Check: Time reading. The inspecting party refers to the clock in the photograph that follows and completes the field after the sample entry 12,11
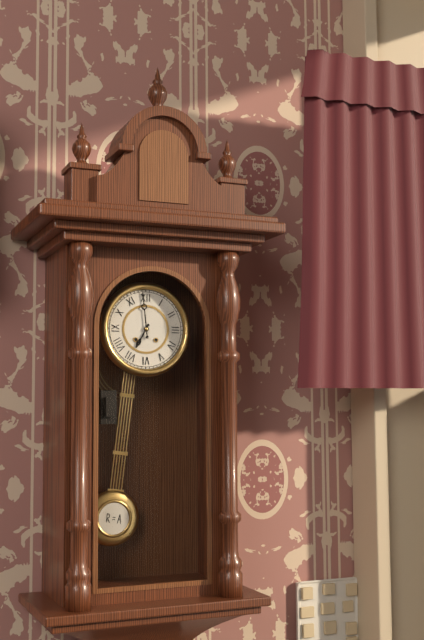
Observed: 6,59
